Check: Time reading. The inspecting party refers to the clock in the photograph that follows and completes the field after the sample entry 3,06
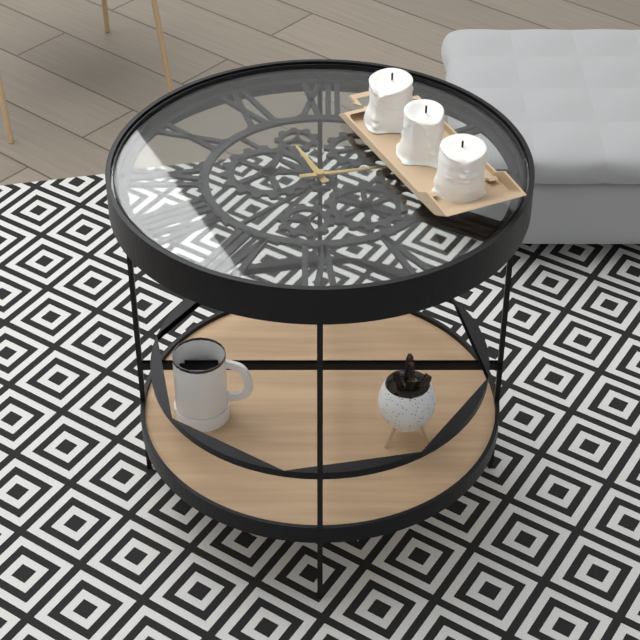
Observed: 11,13
